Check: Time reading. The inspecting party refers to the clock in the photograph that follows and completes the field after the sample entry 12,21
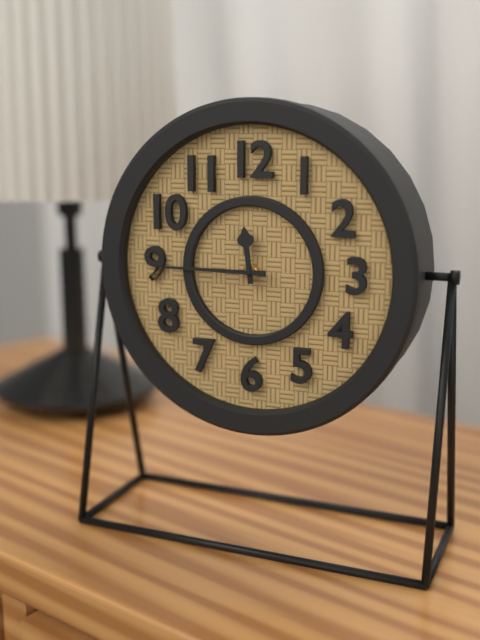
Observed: 11,45
